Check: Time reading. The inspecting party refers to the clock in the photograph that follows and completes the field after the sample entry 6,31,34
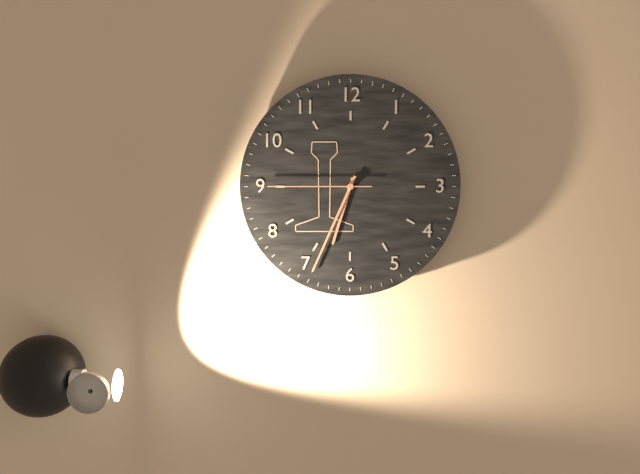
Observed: 6,34,45
